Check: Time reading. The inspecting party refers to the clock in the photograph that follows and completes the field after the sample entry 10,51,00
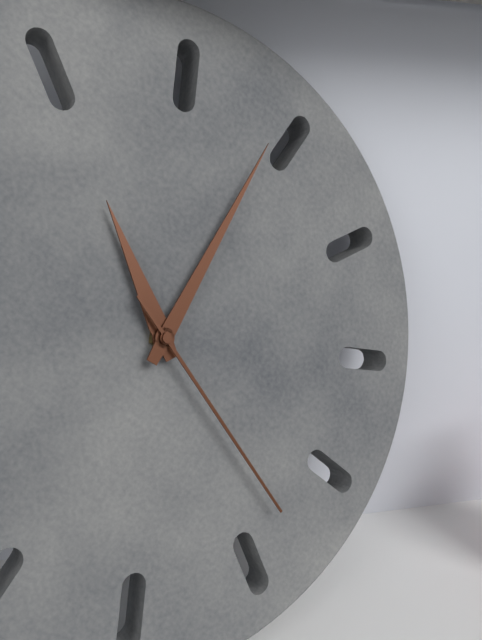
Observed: 9,59,18
